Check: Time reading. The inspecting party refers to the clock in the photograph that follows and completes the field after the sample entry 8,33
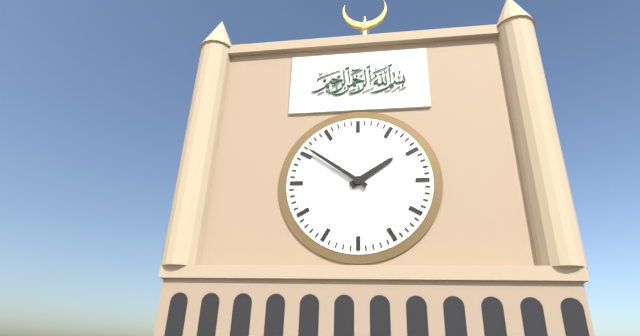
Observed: 1,51
